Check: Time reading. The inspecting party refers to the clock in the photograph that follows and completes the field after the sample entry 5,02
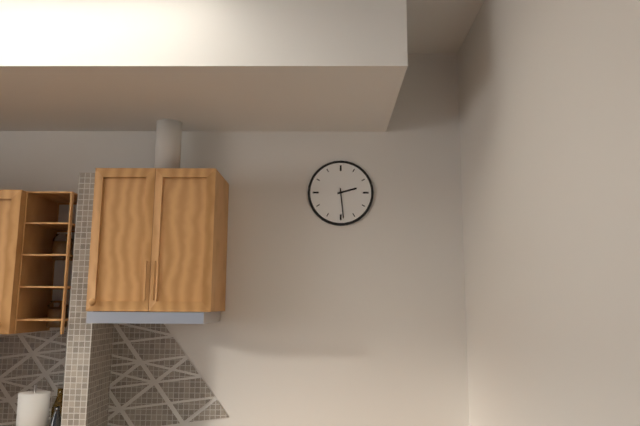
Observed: 2,29
